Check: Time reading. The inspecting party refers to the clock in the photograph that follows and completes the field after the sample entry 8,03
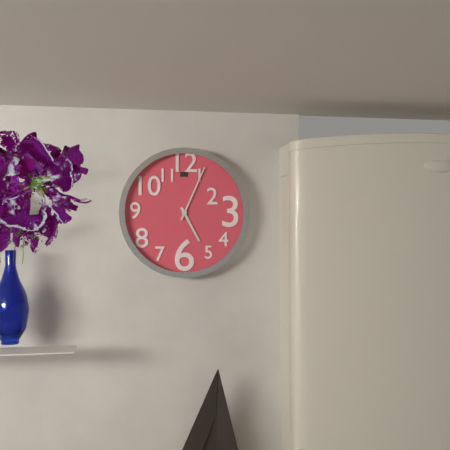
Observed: 5,04
